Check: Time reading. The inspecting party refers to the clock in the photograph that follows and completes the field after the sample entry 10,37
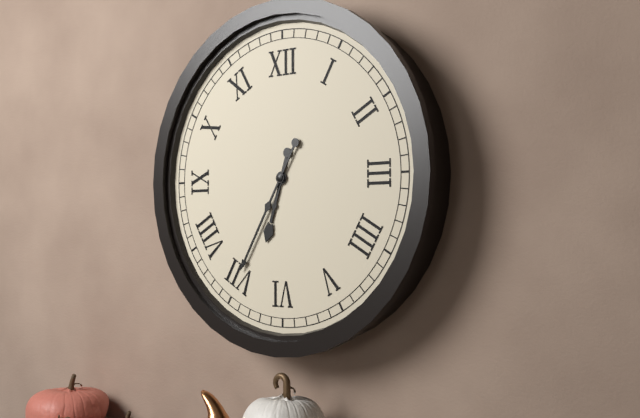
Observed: 6,35
